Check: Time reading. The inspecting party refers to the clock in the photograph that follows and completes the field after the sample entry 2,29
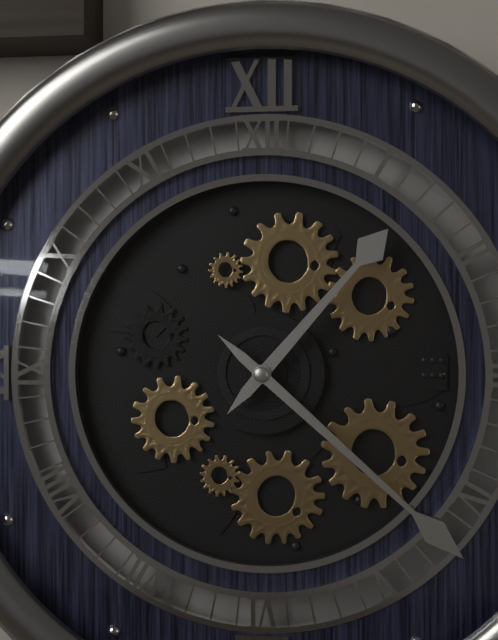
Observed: 1,22
